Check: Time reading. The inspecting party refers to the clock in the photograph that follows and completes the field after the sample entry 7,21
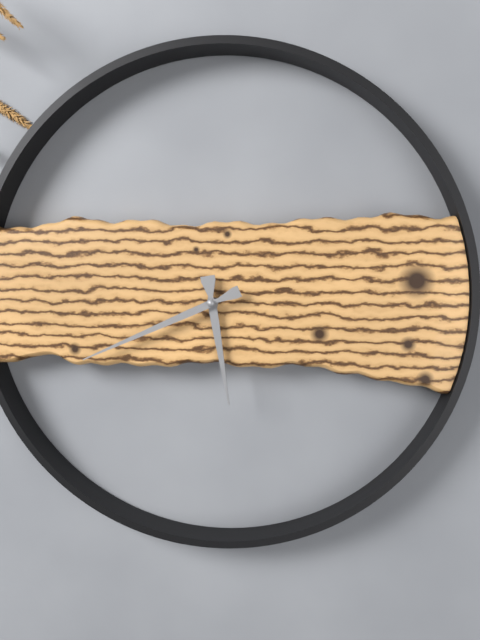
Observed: 5,41
